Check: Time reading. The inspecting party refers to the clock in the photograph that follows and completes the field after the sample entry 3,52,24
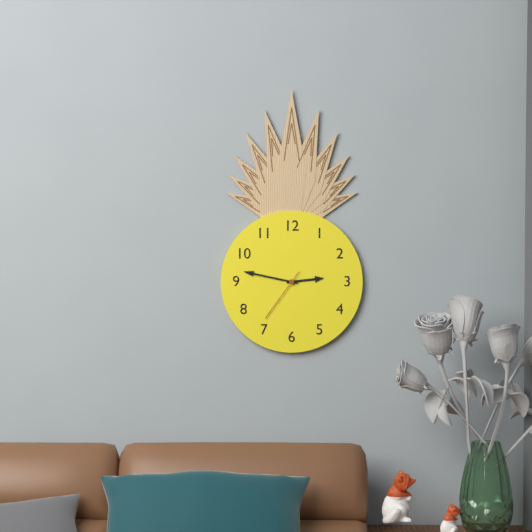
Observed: 2,47,36
